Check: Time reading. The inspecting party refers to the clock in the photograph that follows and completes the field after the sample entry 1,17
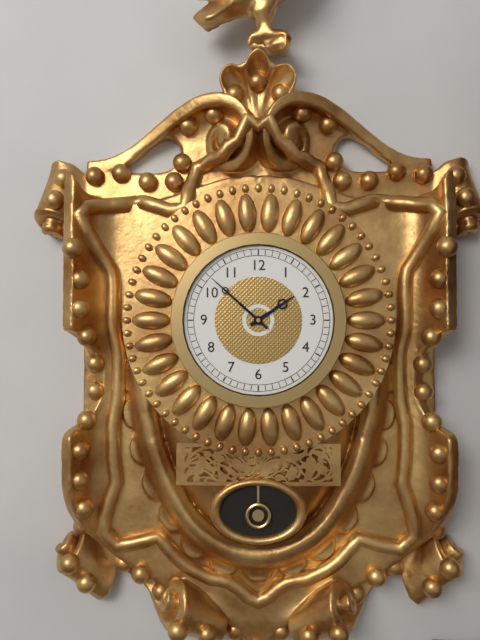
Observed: 1,52
